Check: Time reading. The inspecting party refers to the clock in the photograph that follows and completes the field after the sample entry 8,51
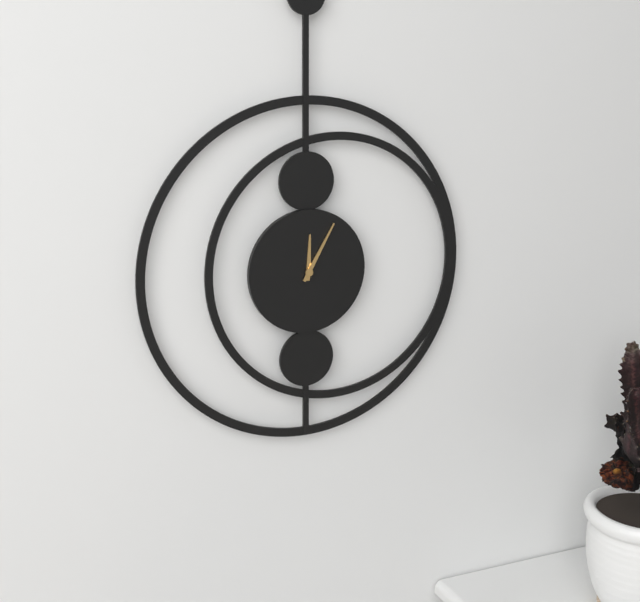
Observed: 12,05
